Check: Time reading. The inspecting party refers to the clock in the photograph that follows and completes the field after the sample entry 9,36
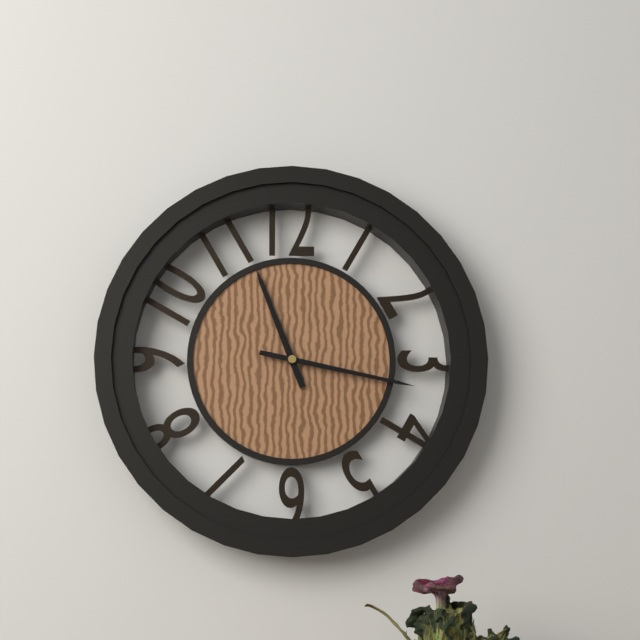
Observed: 11,17
